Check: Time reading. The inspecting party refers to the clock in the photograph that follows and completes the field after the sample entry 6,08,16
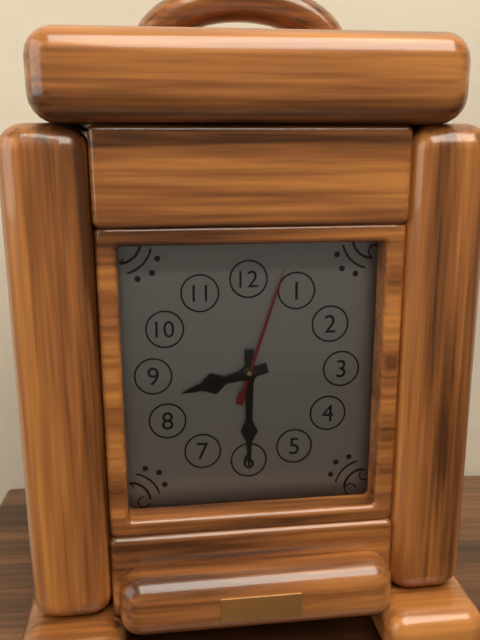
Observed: 8,30,03
